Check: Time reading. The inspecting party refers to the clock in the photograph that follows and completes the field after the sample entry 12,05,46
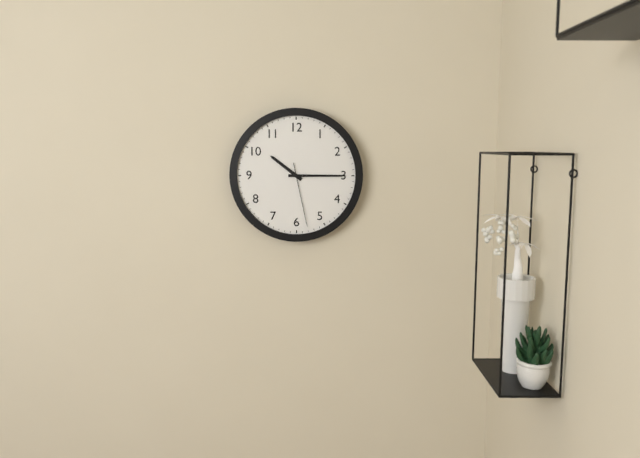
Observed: 10,15,28
